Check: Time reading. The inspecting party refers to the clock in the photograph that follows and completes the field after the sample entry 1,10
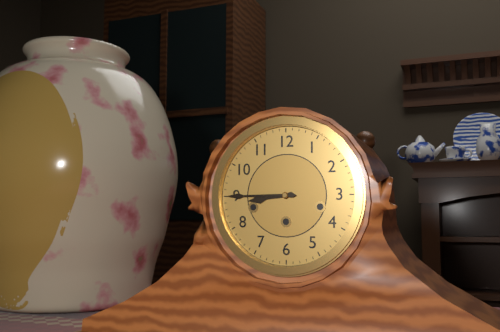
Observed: 8,45
